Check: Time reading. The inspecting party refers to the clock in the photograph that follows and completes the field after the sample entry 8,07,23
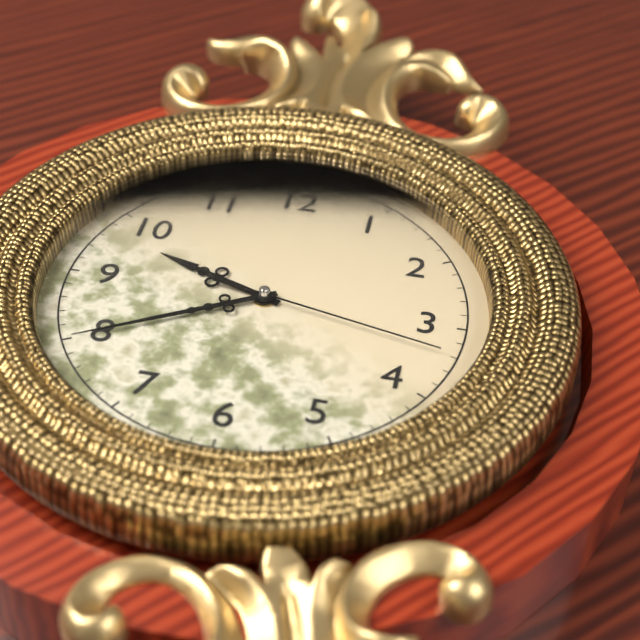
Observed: 9,40,17
